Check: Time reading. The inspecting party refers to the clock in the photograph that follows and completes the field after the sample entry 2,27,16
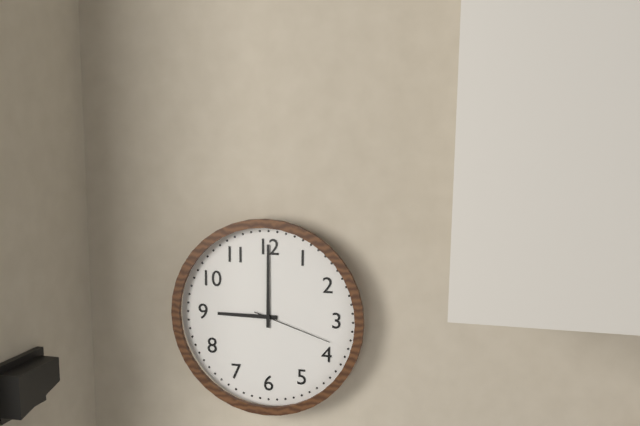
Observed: 9,00,18
